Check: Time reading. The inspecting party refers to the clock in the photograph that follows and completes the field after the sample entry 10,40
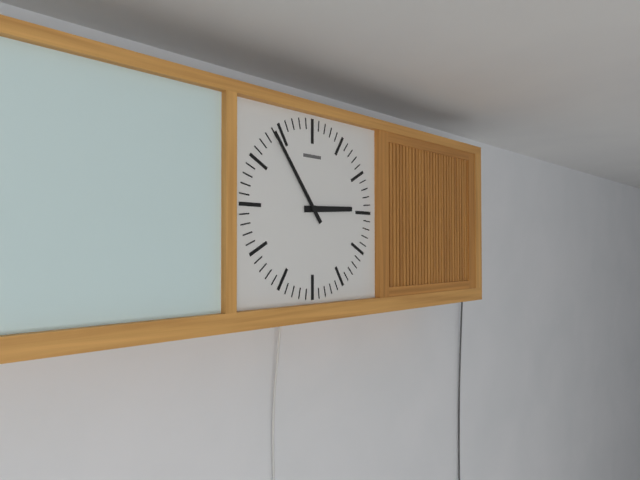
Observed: 2,54
